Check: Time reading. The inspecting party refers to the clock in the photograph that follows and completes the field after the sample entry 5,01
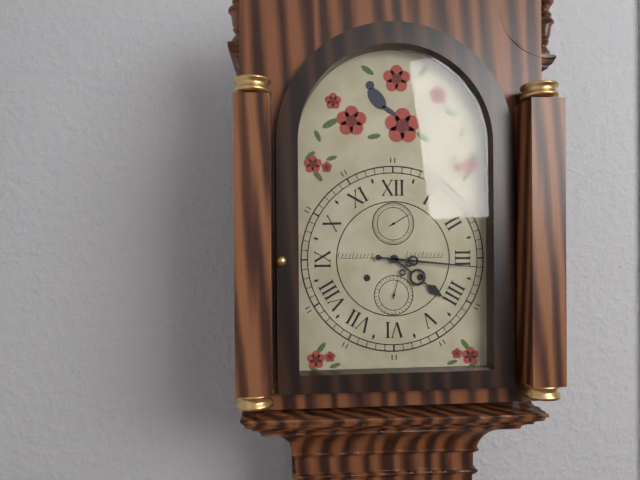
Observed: 4,16
